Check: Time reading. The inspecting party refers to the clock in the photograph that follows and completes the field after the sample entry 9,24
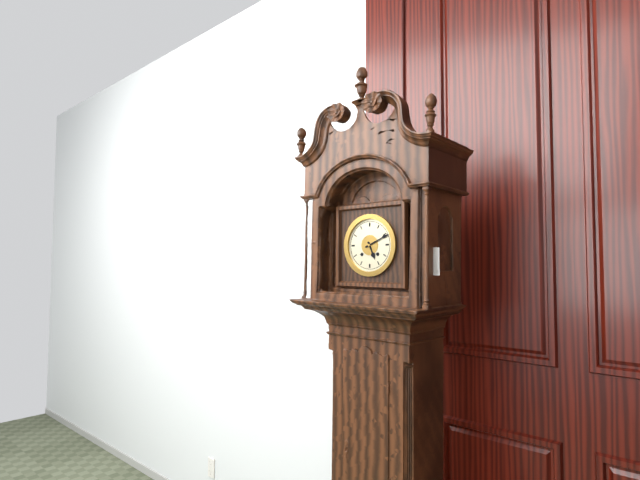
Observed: 5,11
